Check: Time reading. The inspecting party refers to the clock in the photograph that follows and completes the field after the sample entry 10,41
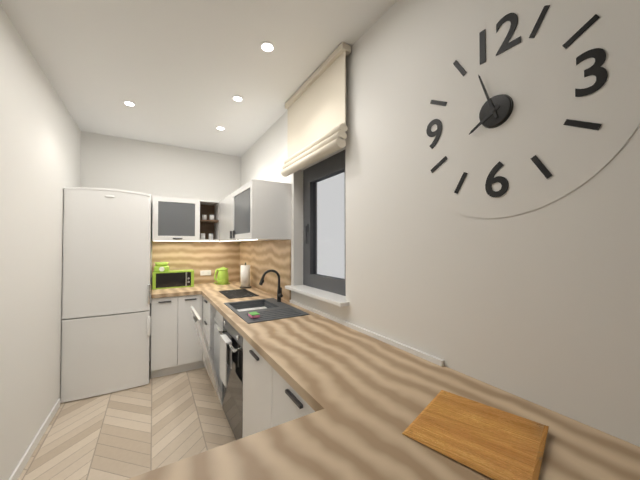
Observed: 7,57
